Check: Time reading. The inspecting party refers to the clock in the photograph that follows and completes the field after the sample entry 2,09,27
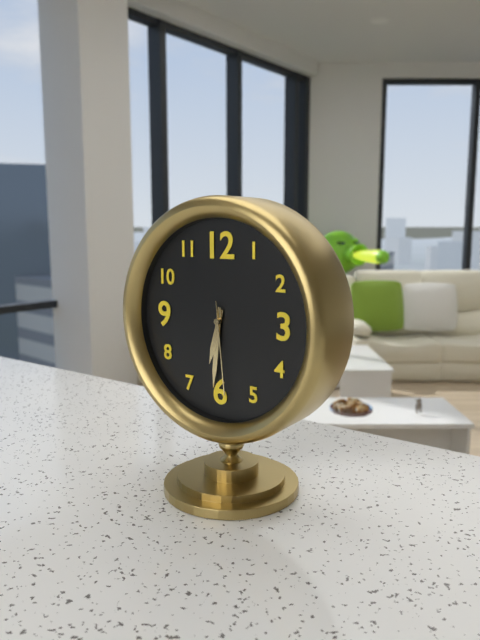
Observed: 6,31,29
